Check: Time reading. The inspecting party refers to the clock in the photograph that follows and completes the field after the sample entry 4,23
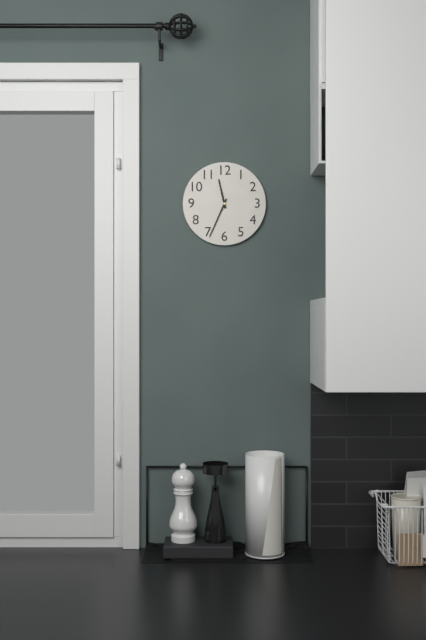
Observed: 11,34
